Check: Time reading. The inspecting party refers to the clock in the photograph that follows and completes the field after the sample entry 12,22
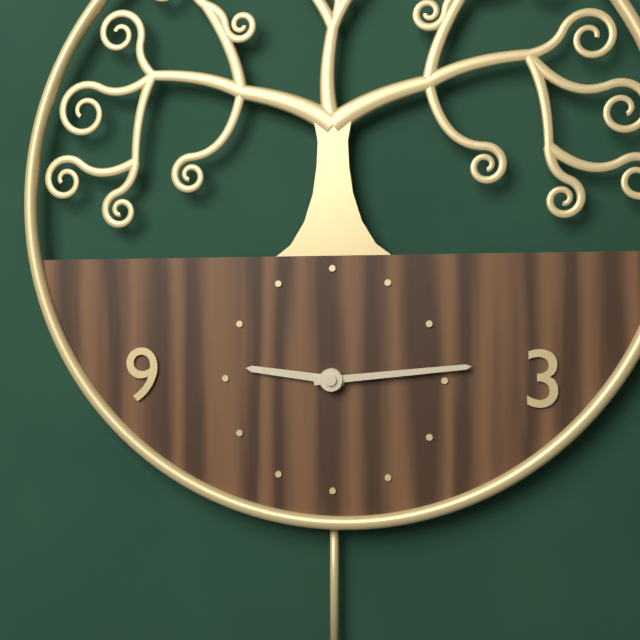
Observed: 9,14
